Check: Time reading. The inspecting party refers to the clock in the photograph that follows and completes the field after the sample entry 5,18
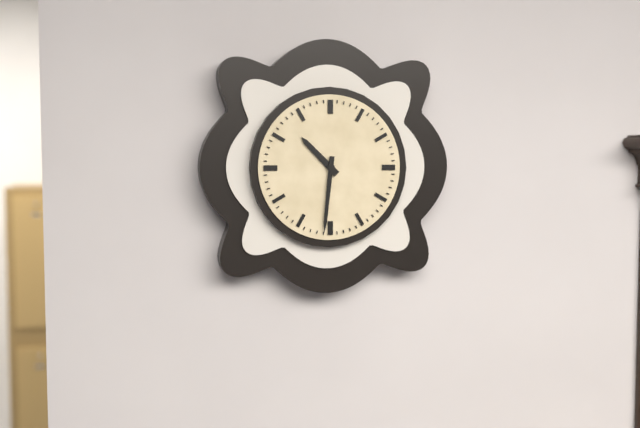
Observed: 10,31
